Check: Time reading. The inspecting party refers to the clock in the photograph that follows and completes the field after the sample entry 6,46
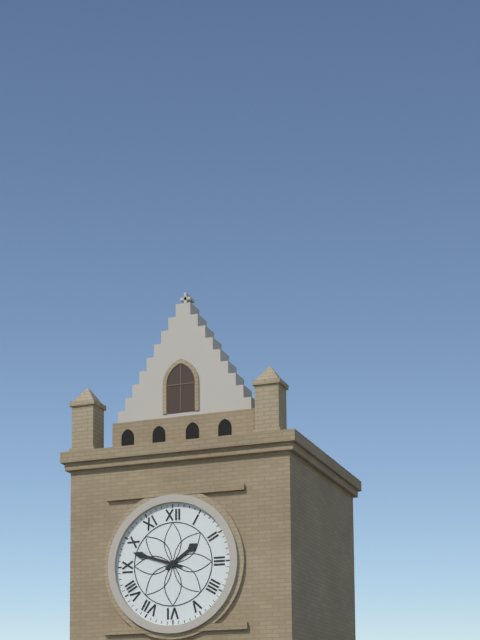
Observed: 1,48
